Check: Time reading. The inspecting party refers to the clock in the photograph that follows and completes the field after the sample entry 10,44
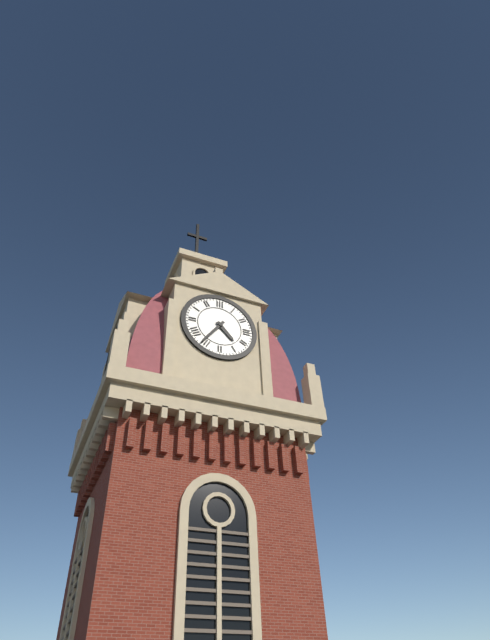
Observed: 4,36
